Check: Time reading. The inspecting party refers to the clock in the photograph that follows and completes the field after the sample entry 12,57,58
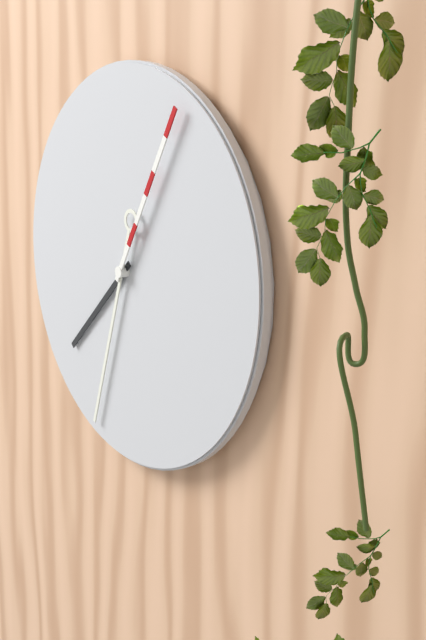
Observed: 7,33,05
